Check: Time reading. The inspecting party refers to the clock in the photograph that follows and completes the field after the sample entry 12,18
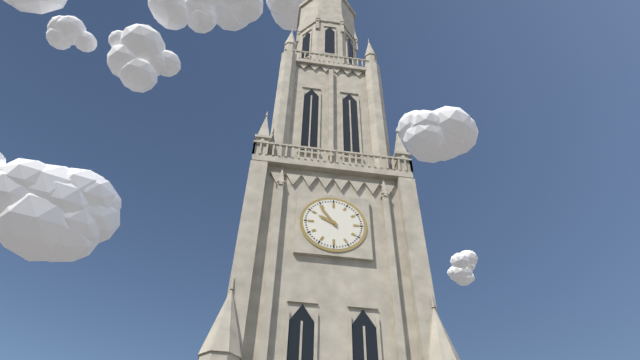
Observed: 9,54
